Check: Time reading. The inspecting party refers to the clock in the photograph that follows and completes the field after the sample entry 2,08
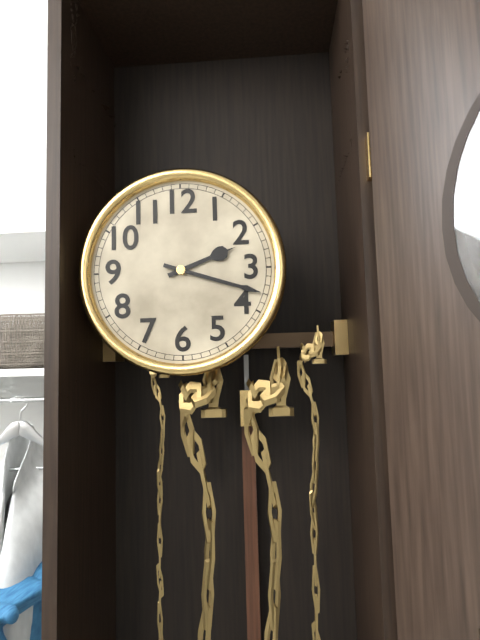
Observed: 2,18
